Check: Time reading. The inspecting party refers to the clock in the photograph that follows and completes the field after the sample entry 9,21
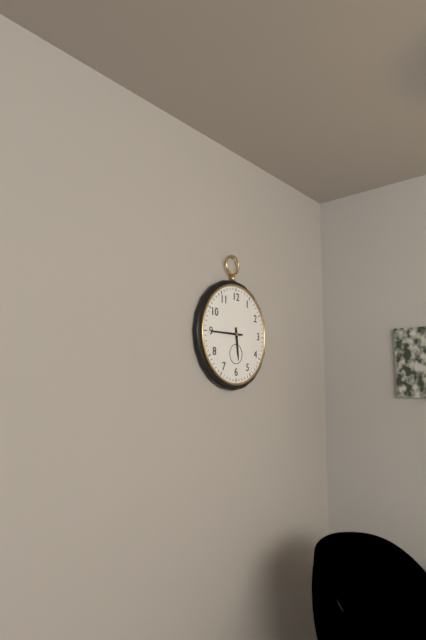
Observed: 5,45
